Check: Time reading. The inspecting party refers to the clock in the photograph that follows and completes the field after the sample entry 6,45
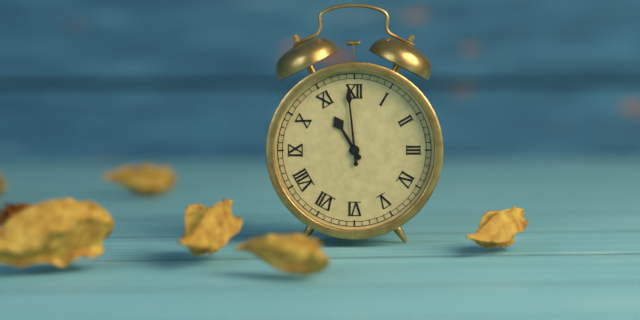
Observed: 10,59
